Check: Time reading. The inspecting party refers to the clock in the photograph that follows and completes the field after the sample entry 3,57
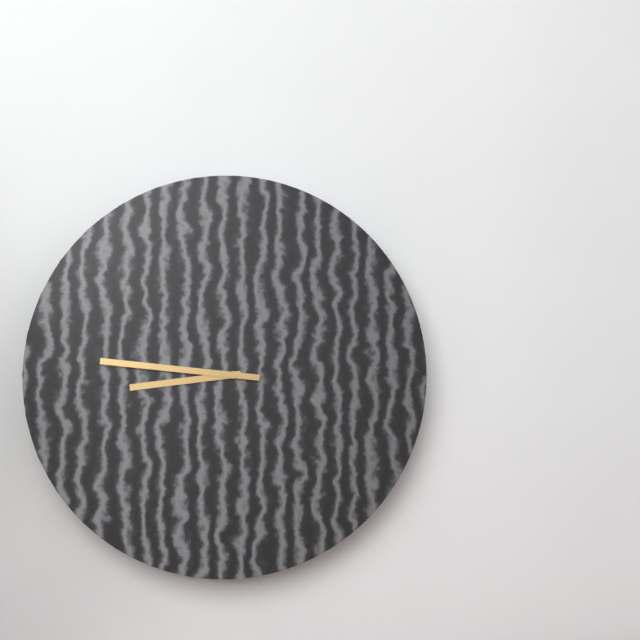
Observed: 8,46
